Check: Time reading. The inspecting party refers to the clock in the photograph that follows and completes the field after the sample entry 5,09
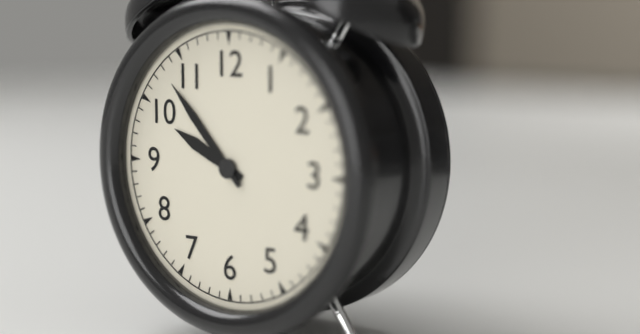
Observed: 9,53
